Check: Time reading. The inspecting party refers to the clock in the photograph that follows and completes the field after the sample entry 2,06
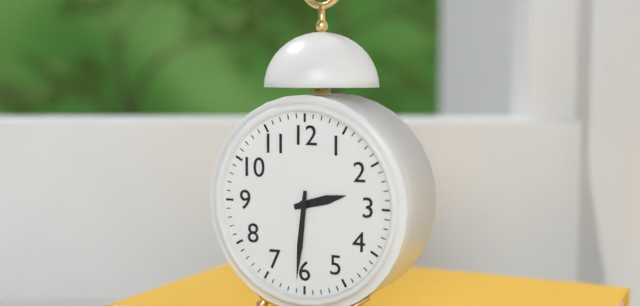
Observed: 2,31
